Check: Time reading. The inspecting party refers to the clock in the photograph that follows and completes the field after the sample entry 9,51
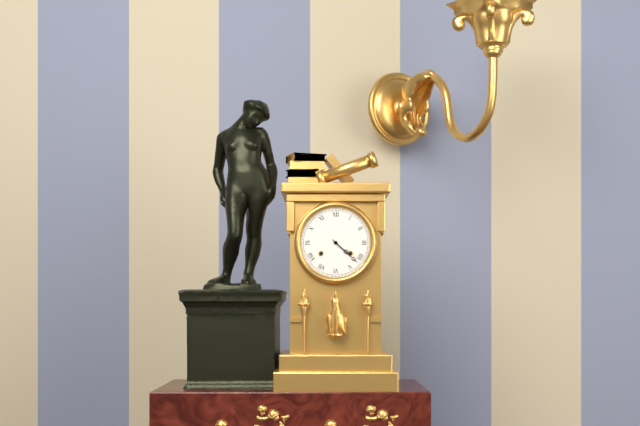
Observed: 4,22
